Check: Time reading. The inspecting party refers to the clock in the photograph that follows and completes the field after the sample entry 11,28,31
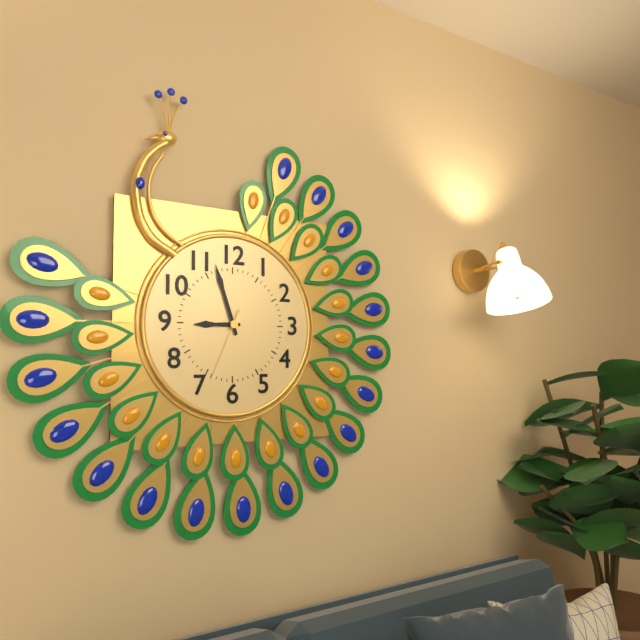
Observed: 8,57,34
